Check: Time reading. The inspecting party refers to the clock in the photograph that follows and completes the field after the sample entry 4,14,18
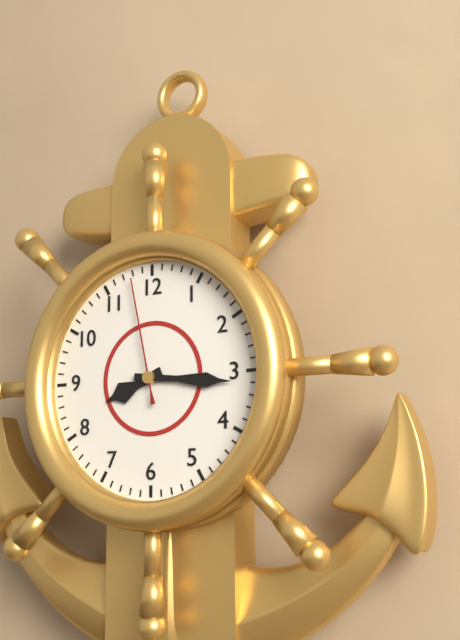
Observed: 8,16,58
